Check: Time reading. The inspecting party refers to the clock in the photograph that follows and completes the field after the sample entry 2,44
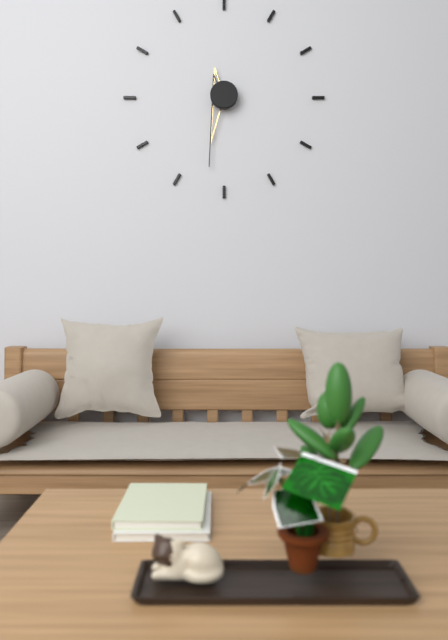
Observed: 6,32
